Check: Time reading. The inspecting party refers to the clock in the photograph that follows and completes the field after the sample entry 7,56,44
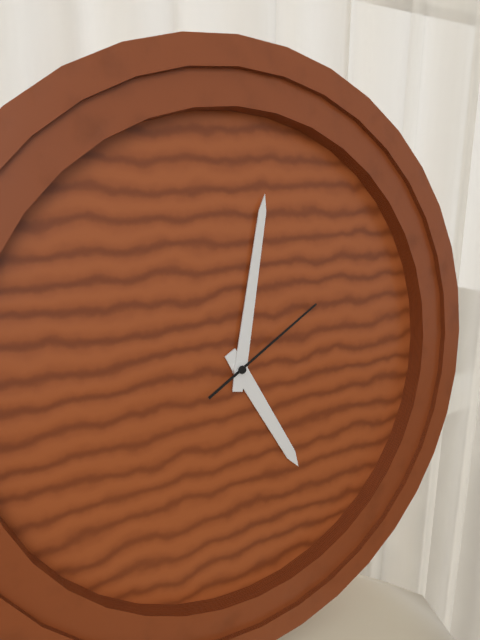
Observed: 5,02,10
